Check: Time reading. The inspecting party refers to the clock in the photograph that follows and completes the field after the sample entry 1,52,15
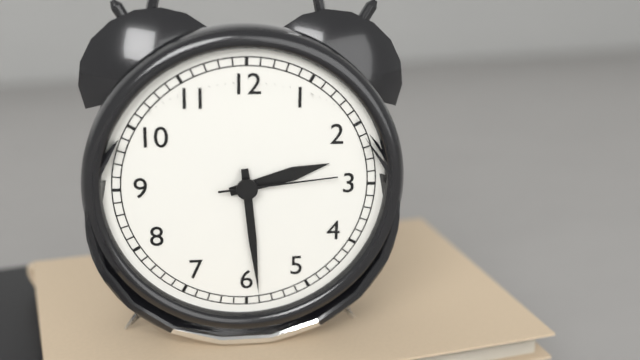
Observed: 2,29,14
